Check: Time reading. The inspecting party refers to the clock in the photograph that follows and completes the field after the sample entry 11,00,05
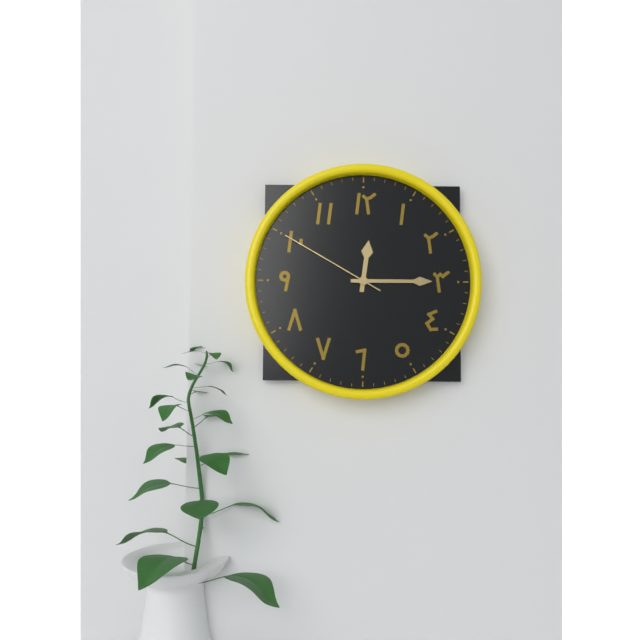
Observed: 12,15,50
